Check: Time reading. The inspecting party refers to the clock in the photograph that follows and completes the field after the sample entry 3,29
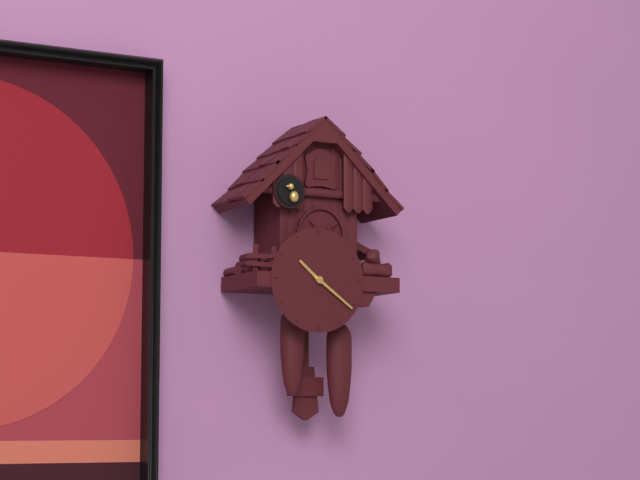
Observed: 10,21
